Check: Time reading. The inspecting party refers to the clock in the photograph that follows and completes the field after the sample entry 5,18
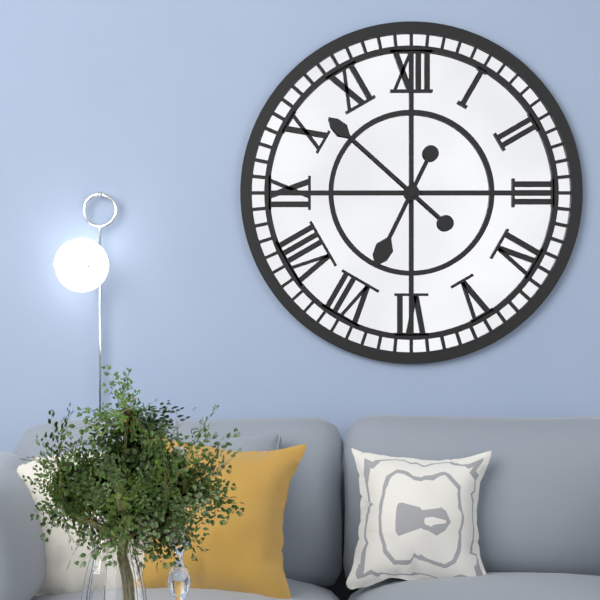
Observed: 6,52
